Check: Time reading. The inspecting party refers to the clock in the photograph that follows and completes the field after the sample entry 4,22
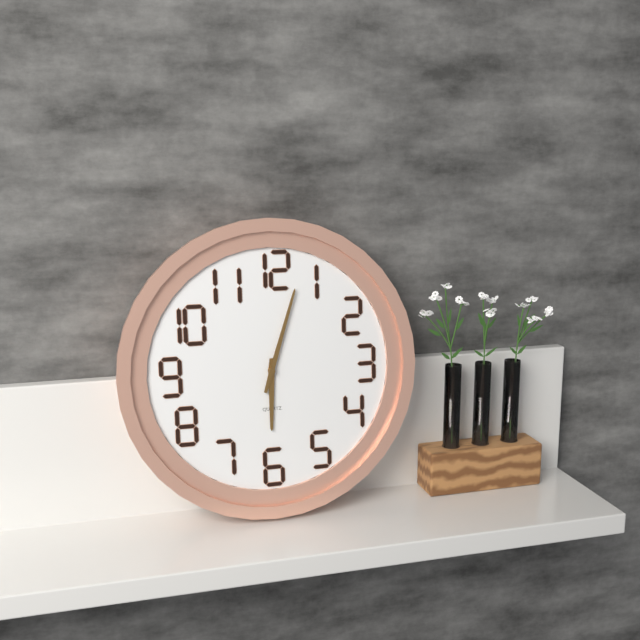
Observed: 6,03
